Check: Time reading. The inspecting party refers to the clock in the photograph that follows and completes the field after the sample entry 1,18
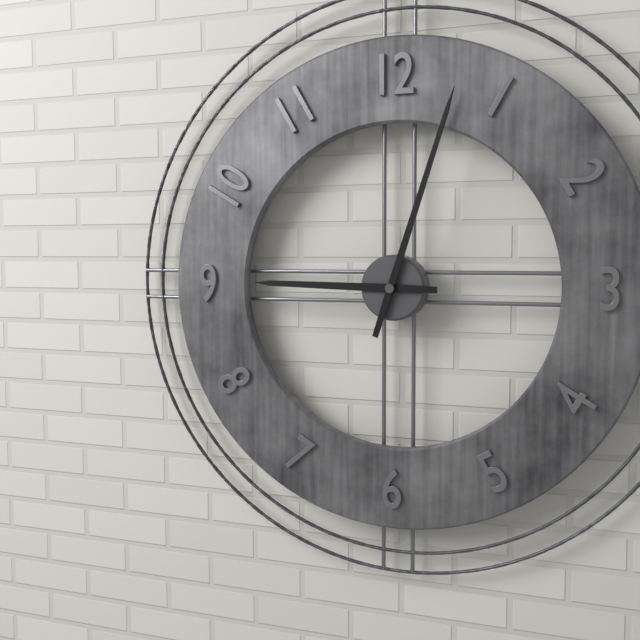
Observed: 9,03
